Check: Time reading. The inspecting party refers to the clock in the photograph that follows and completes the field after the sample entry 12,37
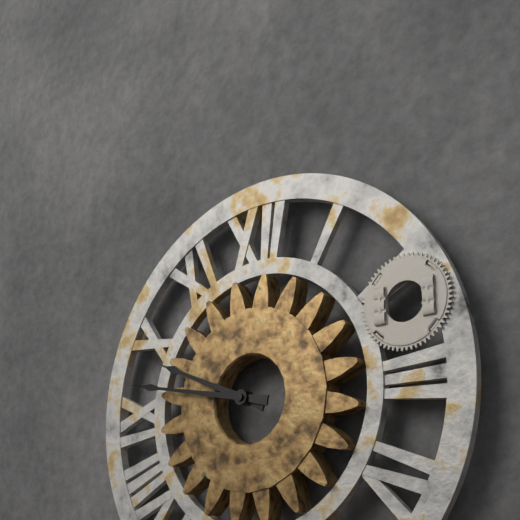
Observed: 9,47
